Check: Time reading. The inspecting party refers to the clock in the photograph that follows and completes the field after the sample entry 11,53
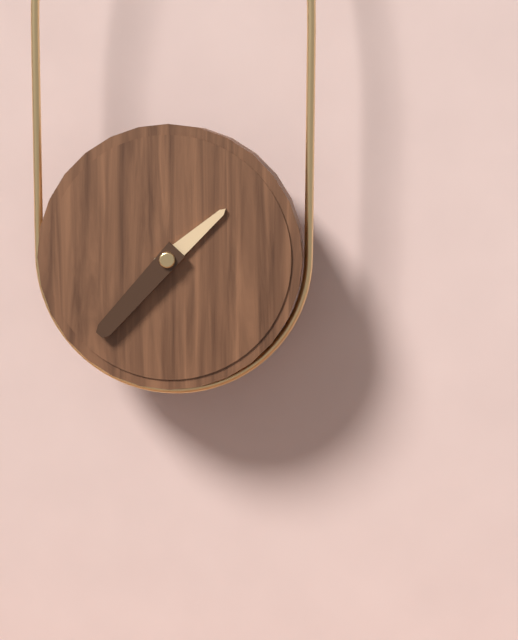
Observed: 1,37
